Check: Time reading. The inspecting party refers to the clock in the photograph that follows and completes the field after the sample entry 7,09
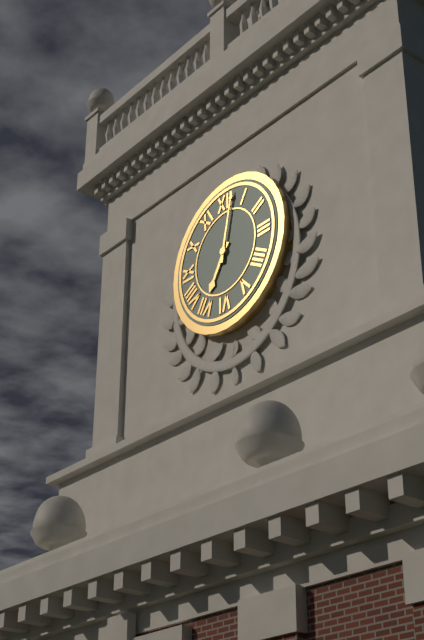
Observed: 7,02
